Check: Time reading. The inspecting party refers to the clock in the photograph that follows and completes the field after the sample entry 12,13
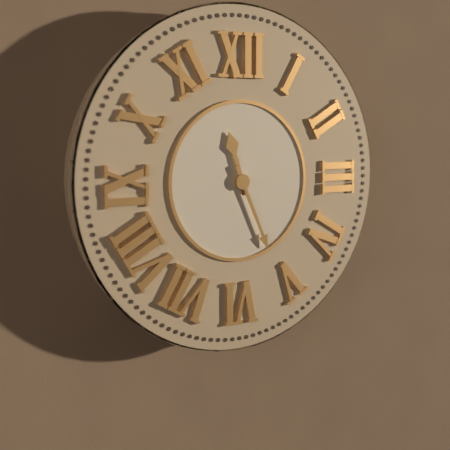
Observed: 11,26
